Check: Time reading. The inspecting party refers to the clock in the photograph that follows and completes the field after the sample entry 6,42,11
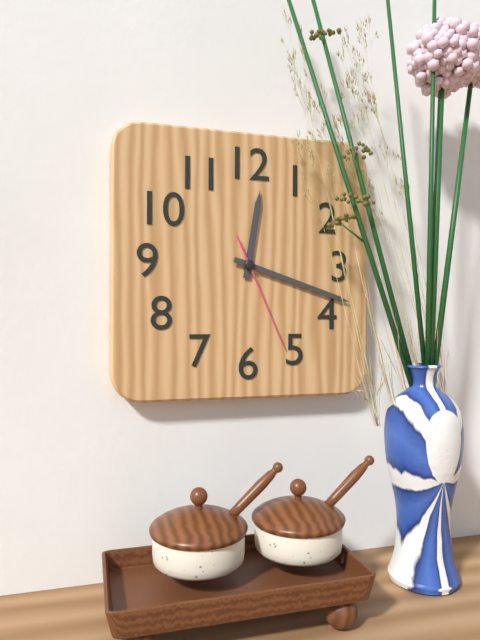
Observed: 12,18,26
